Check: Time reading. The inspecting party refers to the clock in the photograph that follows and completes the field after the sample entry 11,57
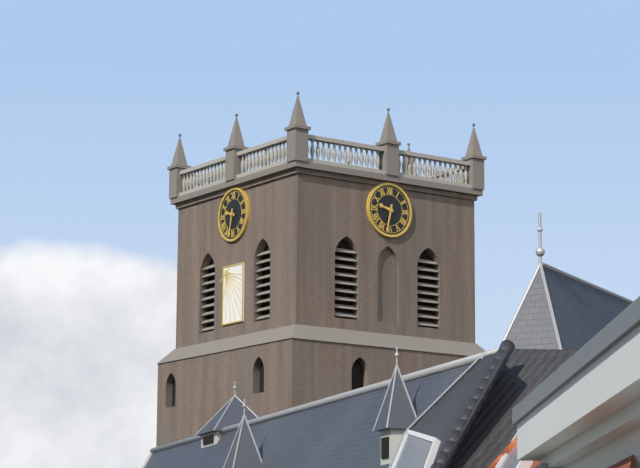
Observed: 9,32
